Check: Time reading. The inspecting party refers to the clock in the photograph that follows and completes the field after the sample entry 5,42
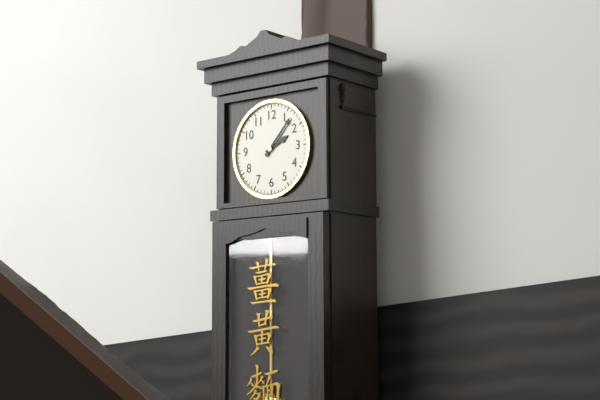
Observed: 2,07
